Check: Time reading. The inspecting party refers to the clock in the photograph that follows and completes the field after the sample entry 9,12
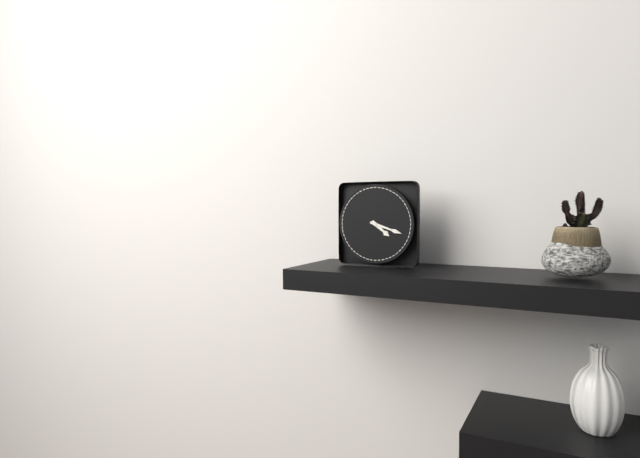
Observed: 4,18
